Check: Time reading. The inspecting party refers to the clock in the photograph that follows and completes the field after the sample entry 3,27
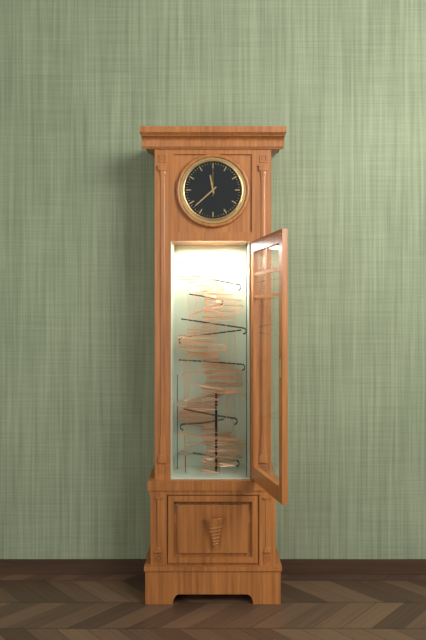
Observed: 11,38
